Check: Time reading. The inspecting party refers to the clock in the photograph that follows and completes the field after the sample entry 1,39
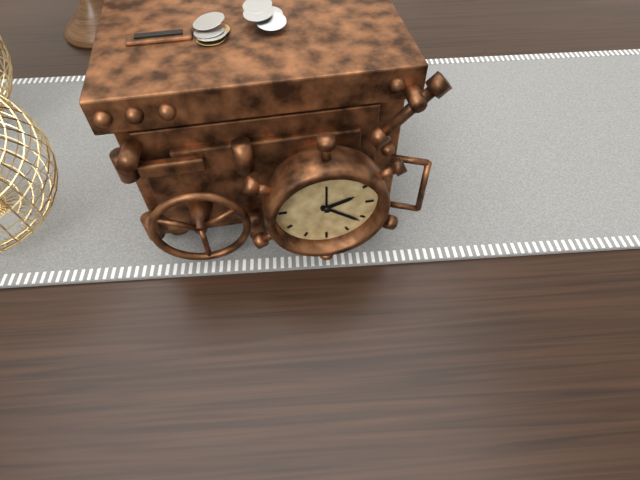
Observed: 2,21
